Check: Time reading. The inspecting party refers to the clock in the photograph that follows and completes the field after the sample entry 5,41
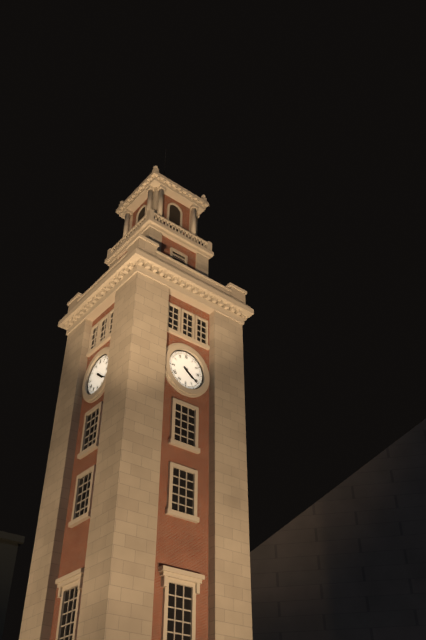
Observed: 4,21
